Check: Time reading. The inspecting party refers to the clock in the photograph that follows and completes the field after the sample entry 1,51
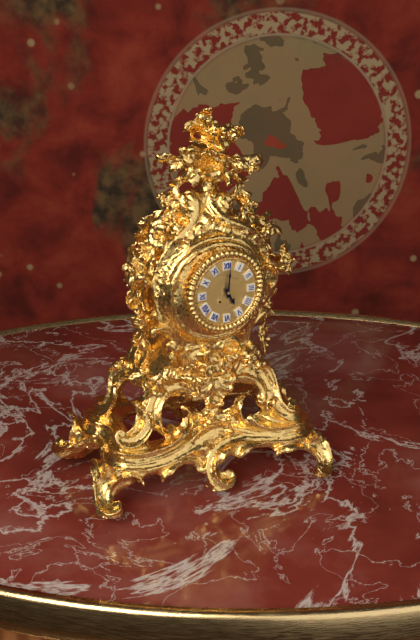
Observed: 5,01
